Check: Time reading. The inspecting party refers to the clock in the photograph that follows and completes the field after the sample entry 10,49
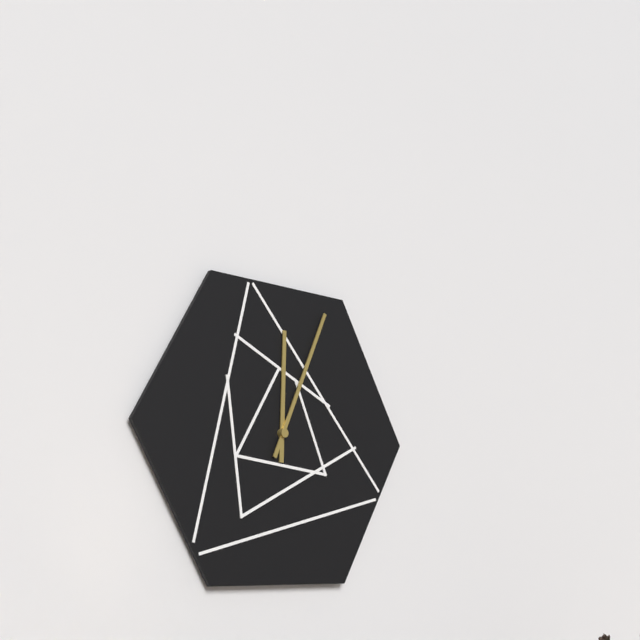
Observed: 12,04
